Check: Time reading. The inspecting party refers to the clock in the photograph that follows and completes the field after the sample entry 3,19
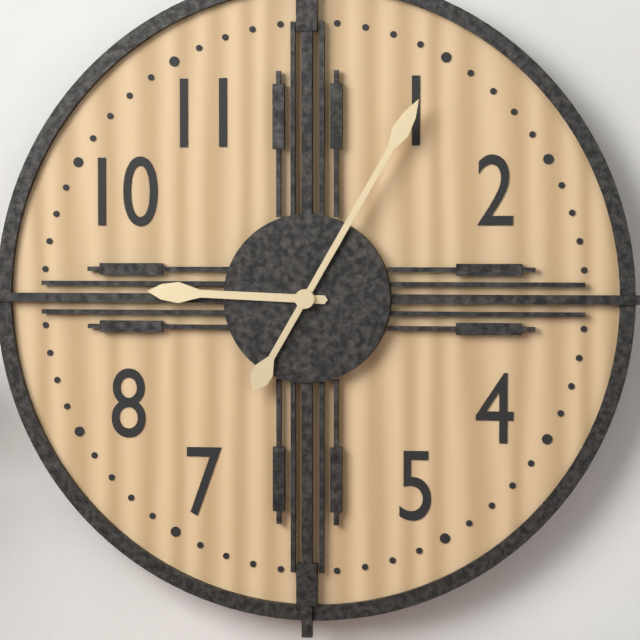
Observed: 9,05
